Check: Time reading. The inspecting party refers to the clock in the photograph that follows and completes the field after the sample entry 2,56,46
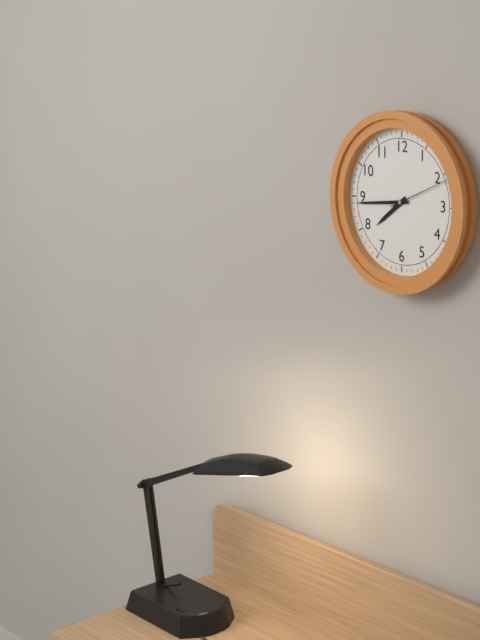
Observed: 7,44,11
